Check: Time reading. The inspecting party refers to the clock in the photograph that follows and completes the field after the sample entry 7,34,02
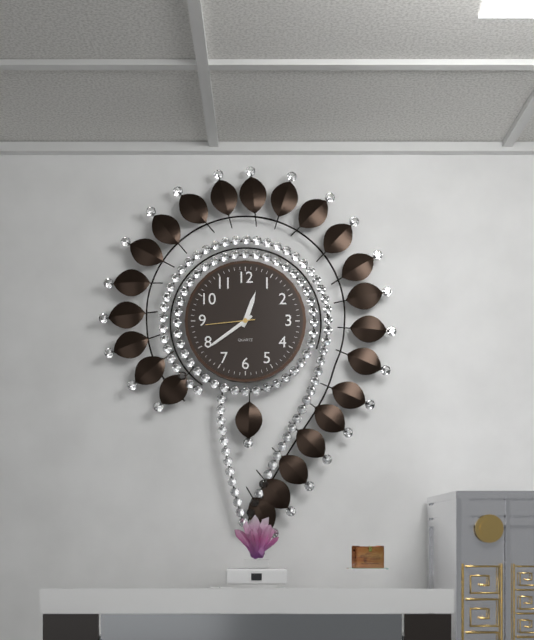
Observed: 12,39,44
